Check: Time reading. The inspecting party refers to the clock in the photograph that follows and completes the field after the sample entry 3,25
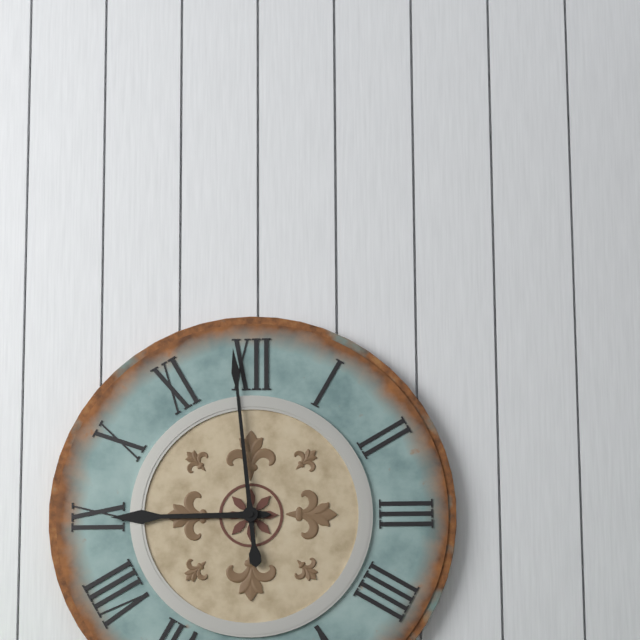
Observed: 8,59
